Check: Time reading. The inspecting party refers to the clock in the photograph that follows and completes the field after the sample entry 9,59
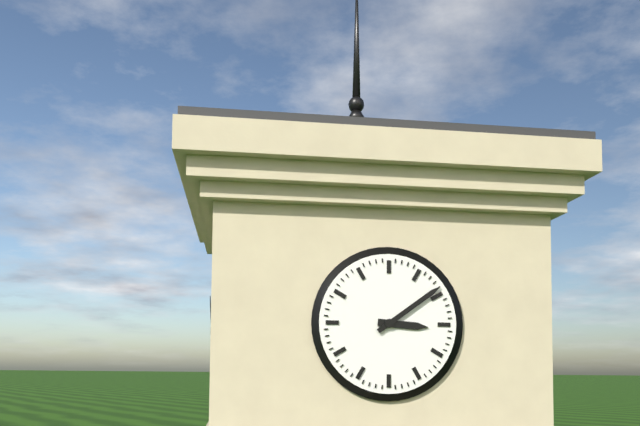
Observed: 3,09
